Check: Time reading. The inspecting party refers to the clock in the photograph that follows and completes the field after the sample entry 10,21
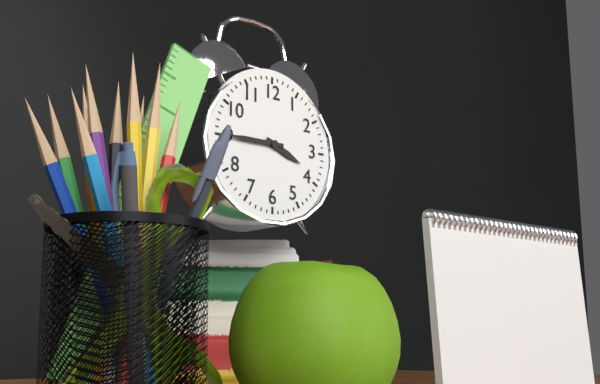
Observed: 3,45
